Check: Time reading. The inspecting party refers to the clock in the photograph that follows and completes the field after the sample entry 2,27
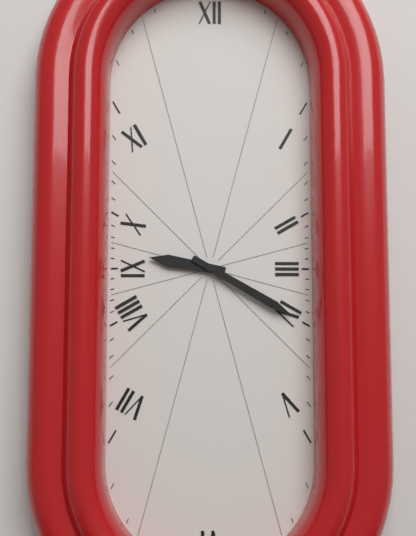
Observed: 9,20
